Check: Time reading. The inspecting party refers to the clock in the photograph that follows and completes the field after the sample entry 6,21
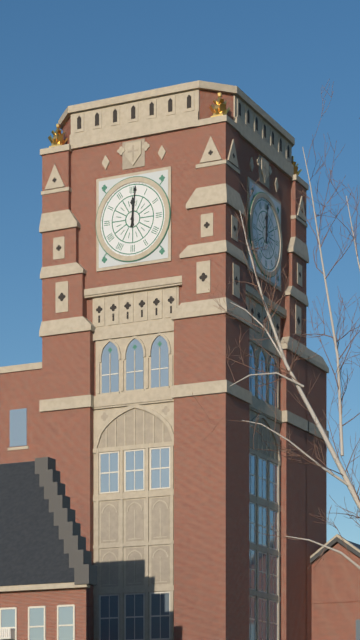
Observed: 12,01
